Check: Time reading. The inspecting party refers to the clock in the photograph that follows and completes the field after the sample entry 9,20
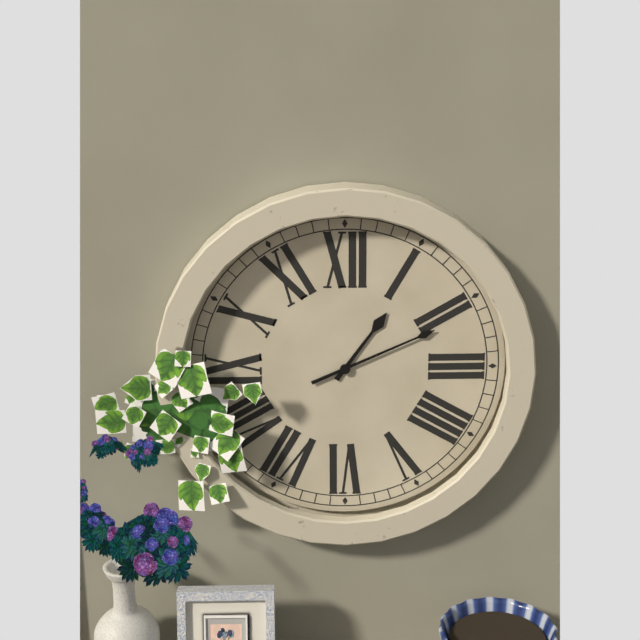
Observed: 1,11
